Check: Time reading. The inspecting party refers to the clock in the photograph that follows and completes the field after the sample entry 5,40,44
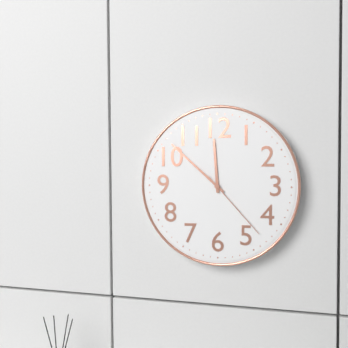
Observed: 11,52,23
